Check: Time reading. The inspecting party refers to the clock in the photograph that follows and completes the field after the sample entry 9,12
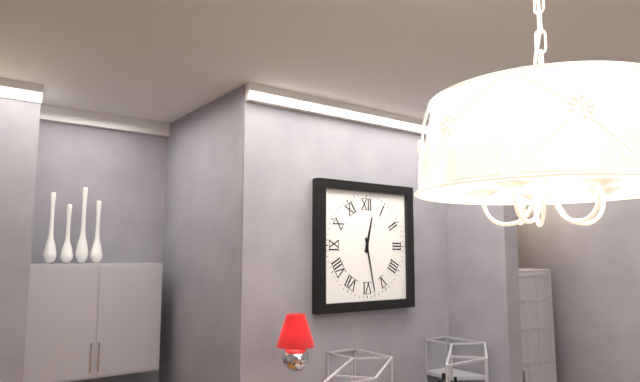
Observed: 12,28
